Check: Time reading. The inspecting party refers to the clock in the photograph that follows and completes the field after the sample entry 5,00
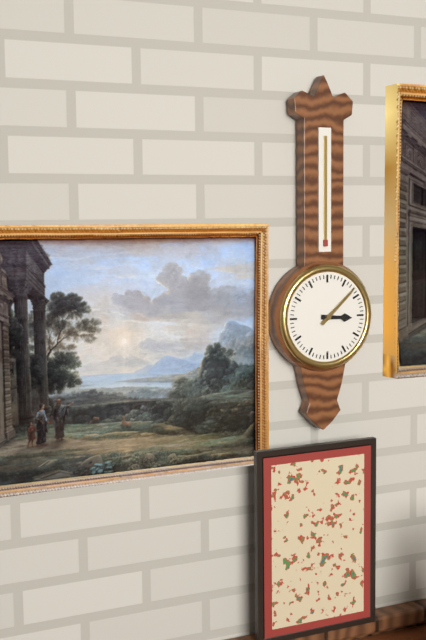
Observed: 3,08
